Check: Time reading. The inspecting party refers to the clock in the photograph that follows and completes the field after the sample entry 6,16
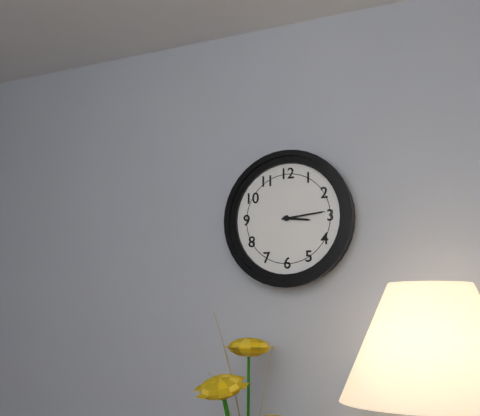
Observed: 3,14
